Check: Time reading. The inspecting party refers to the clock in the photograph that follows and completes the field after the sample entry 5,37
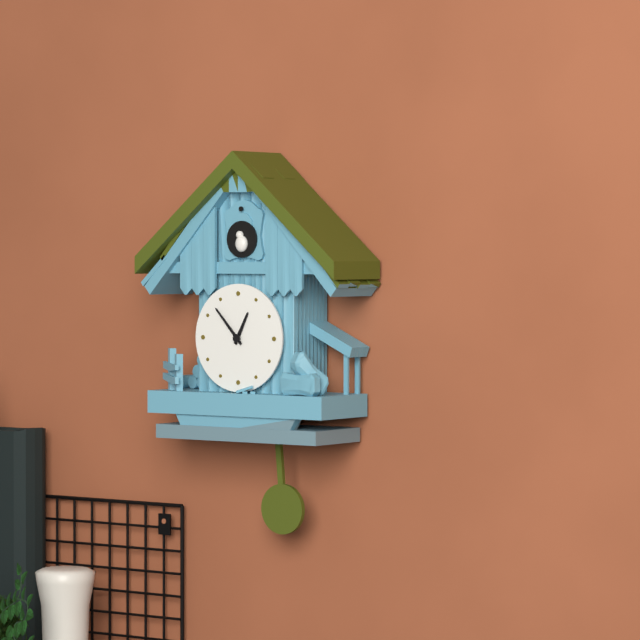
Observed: 12,53
